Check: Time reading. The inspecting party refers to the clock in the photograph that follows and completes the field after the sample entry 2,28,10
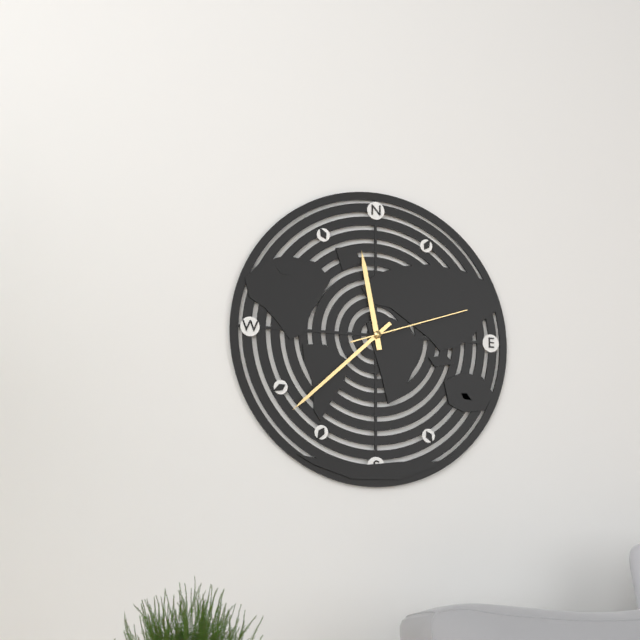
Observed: 11,38,12
